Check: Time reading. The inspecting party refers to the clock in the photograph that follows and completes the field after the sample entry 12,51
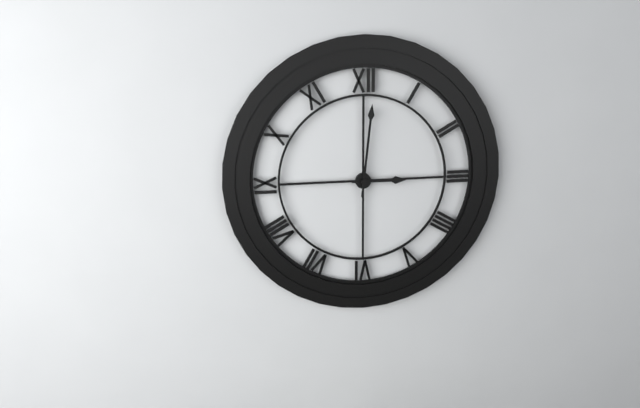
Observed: 3,01
